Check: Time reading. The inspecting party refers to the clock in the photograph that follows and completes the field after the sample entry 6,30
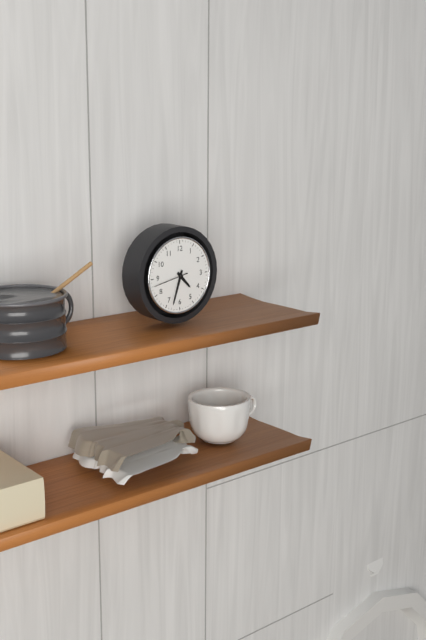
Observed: 4,33
